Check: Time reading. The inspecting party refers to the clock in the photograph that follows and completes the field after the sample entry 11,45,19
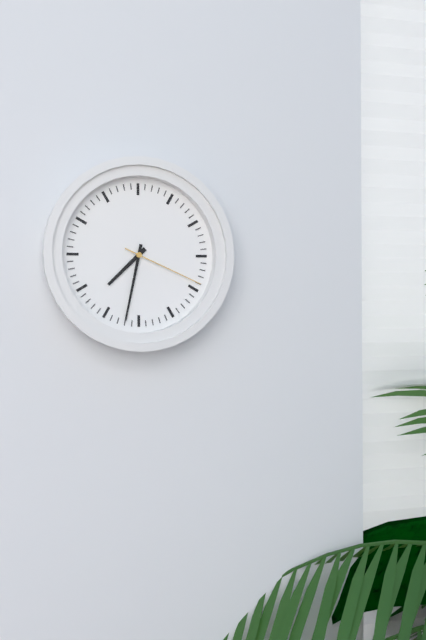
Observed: 7,32,19
